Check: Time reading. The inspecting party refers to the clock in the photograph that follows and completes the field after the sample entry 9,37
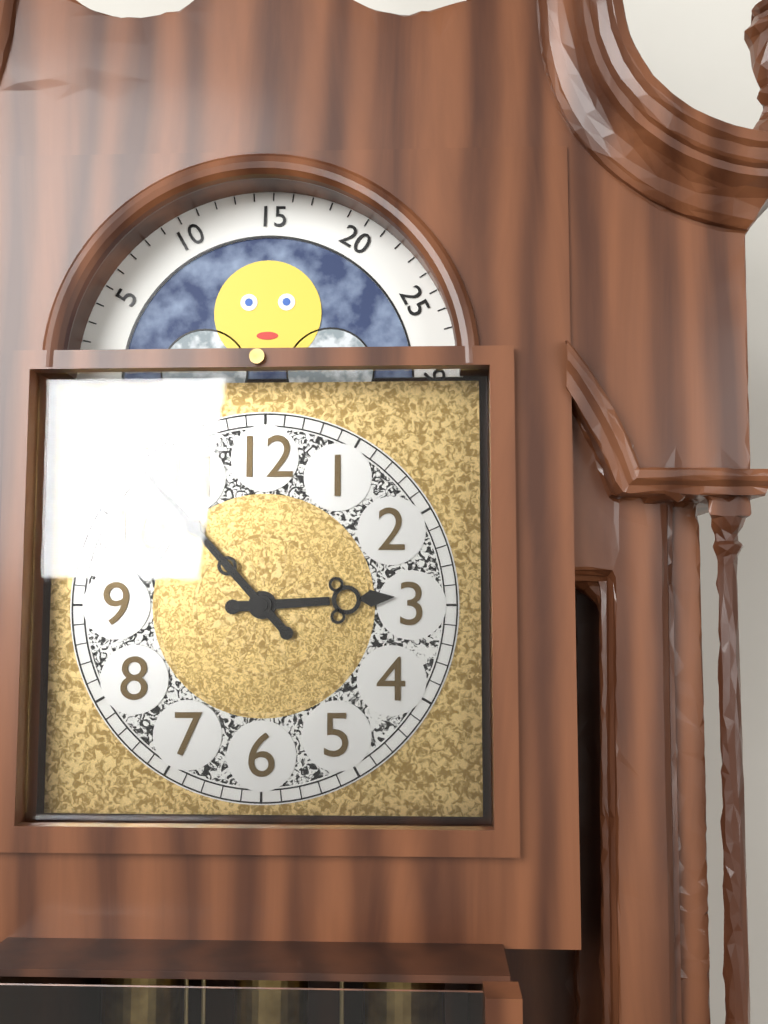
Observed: 2,53
